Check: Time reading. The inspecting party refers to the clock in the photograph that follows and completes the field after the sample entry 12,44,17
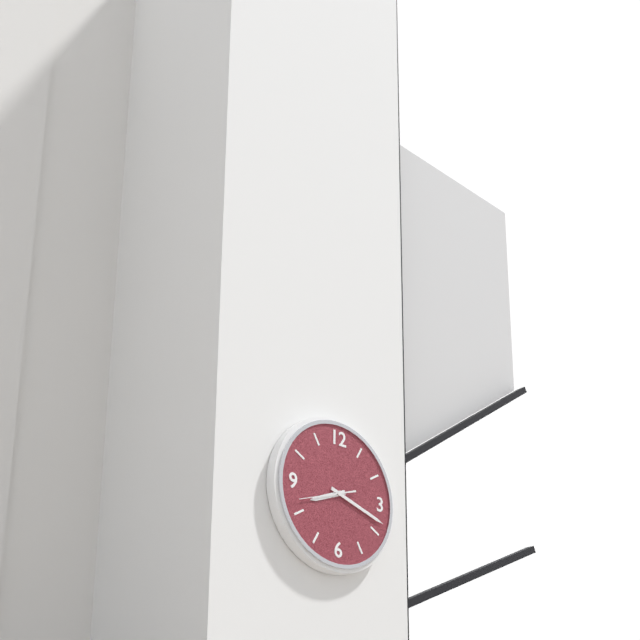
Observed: 8,18,42
